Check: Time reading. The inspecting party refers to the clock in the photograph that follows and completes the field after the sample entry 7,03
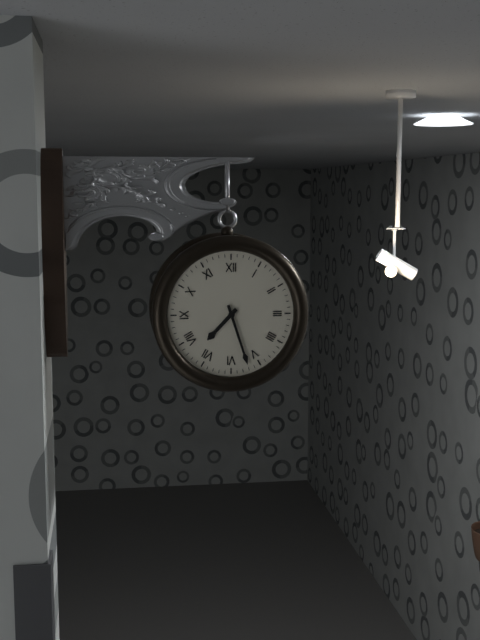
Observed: 7,27
